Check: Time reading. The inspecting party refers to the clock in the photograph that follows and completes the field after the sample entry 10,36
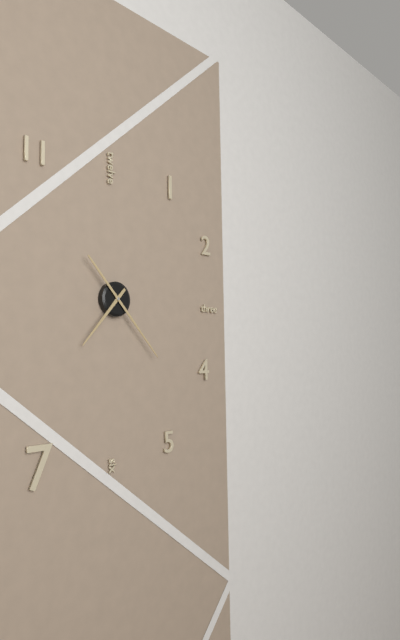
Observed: 7,23
